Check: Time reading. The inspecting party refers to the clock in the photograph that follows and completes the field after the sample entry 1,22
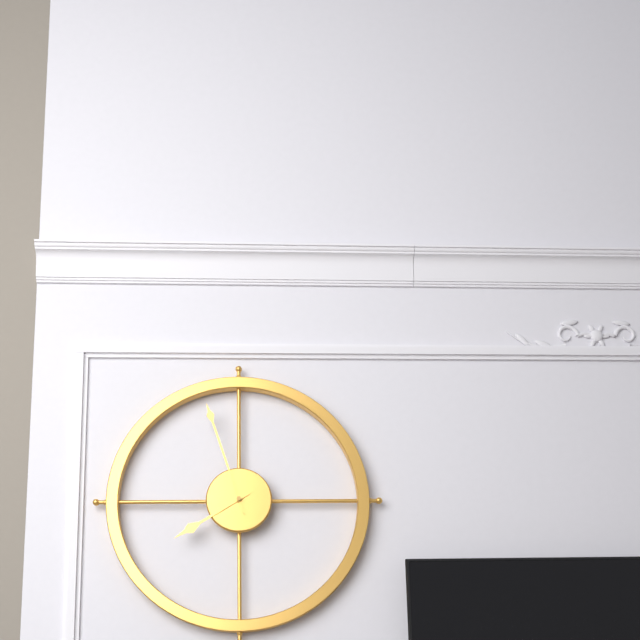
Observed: 7,57
